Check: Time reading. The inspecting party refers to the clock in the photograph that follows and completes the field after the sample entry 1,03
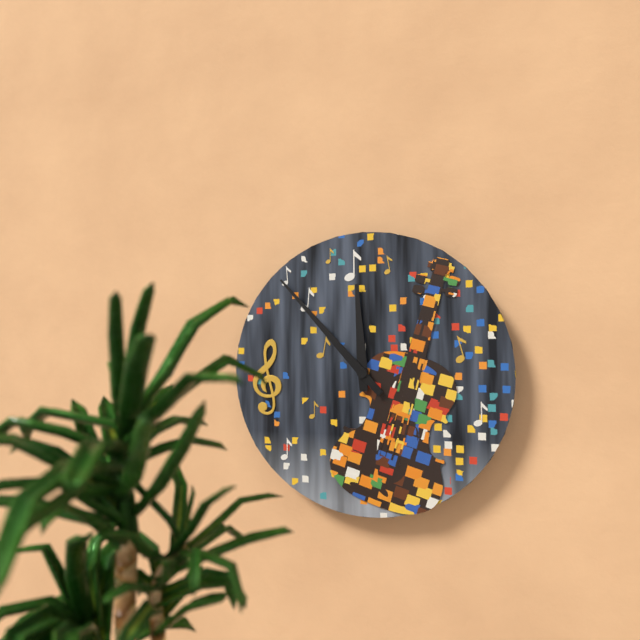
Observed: 11,53
